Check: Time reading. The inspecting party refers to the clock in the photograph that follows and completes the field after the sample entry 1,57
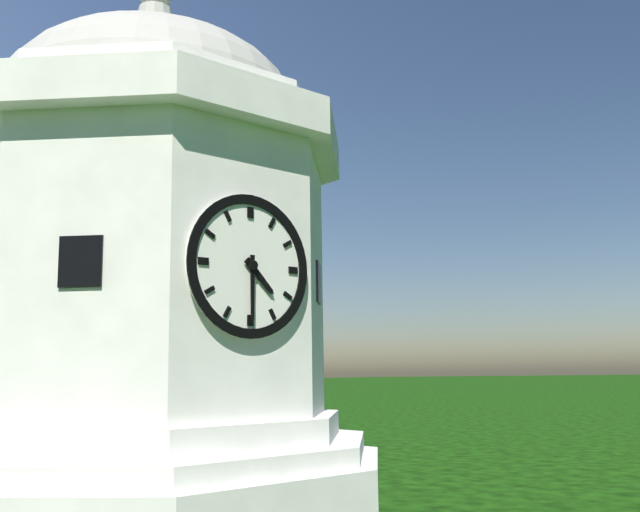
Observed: 4,30
